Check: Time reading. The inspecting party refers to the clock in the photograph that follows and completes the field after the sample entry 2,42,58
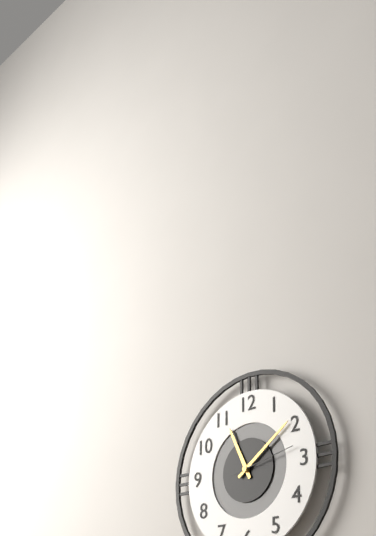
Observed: 11,09,13
